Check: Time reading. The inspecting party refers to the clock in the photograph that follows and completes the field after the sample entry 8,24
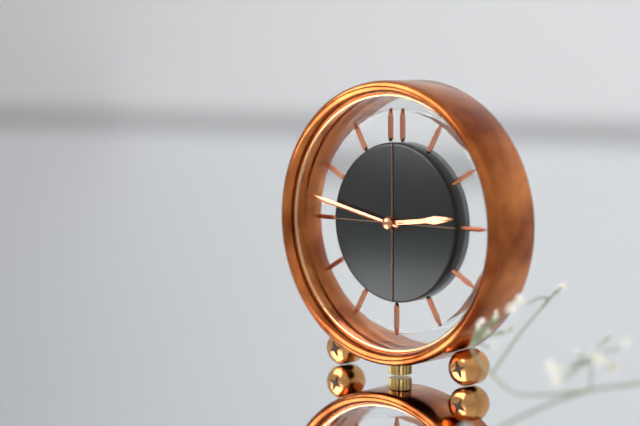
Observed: 2,47
